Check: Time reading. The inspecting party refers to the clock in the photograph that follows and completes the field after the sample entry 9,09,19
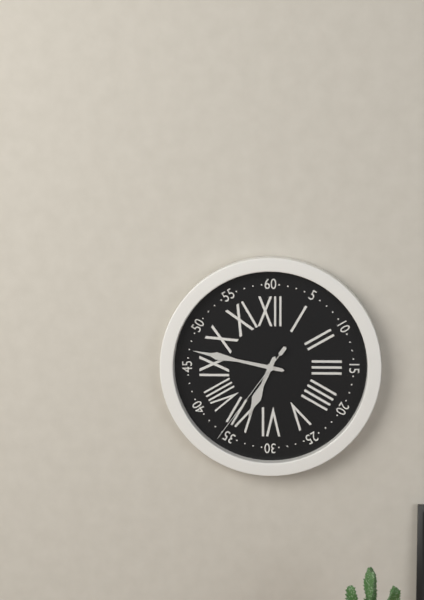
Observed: 6,47,36
